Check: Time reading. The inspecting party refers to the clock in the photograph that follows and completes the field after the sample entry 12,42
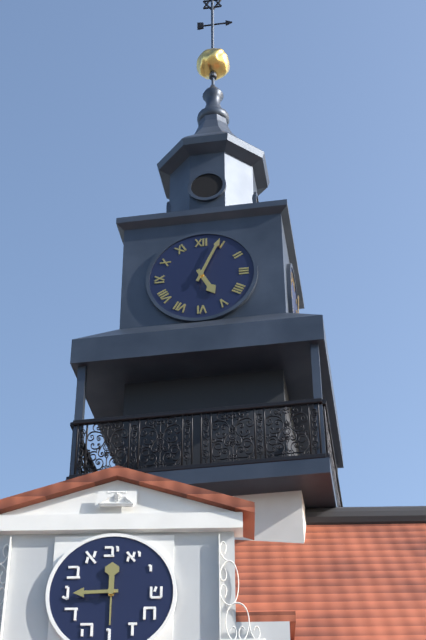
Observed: 5,04
